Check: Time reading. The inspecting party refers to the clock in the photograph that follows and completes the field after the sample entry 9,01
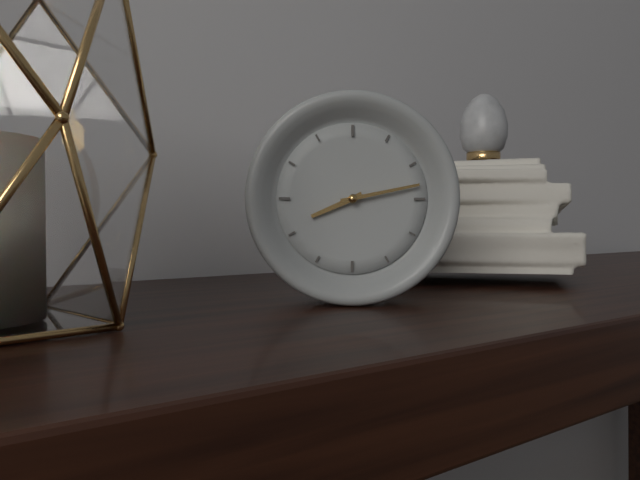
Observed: 8,13
